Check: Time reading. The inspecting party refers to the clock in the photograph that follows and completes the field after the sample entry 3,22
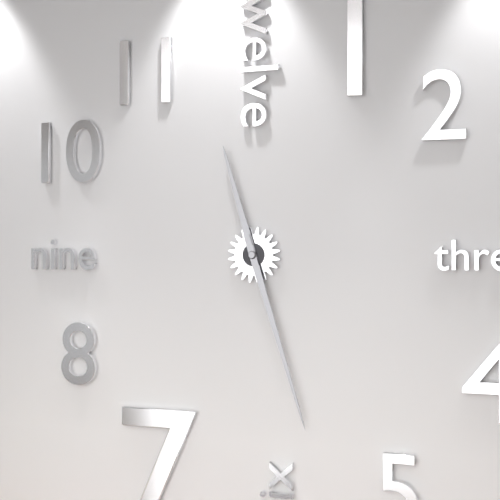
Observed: 11,27
